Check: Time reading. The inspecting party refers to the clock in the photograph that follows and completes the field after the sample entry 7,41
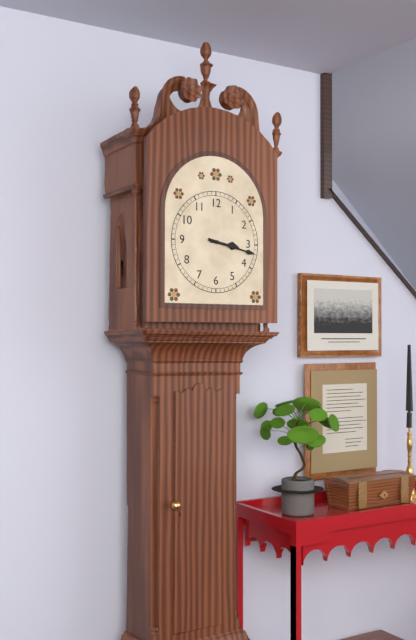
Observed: 3,17
